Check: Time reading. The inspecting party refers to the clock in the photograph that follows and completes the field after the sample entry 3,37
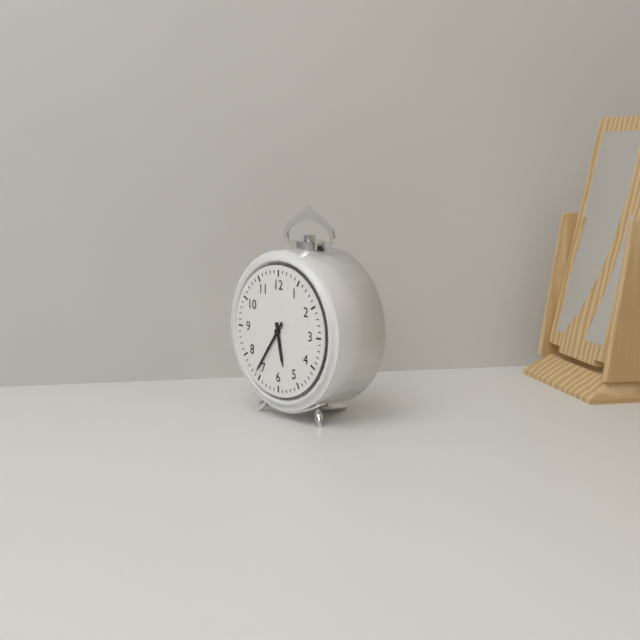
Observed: 5,36
